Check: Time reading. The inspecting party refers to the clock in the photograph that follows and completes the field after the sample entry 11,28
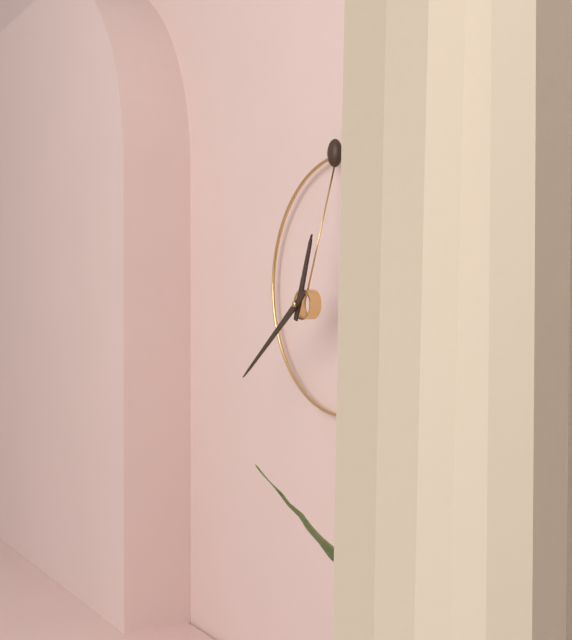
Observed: 12,39
